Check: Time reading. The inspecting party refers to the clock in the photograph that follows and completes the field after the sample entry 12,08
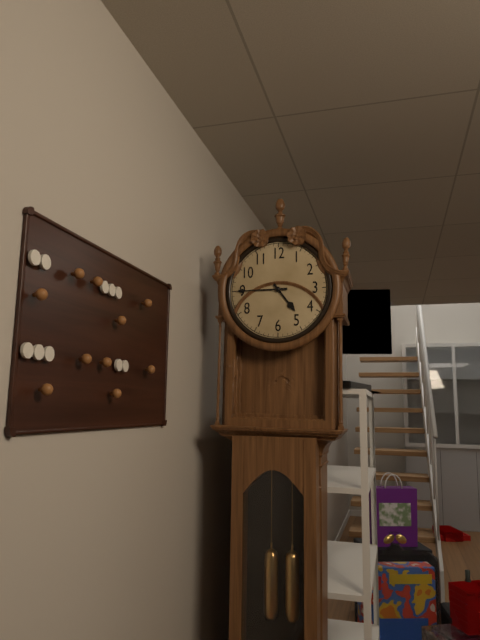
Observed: 4,45
